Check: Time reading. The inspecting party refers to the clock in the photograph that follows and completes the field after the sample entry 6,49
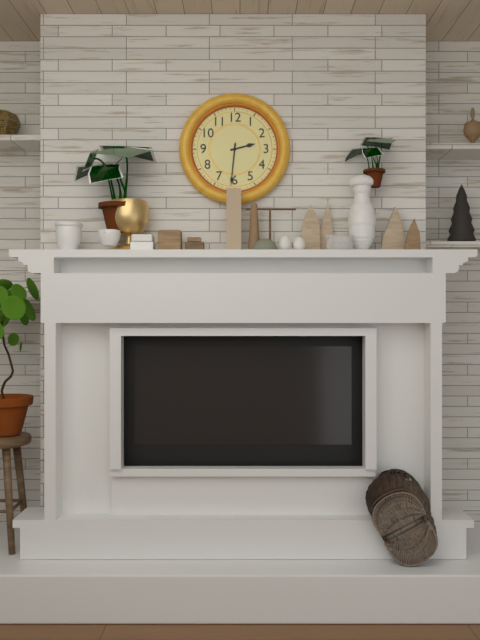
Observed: 2,31
